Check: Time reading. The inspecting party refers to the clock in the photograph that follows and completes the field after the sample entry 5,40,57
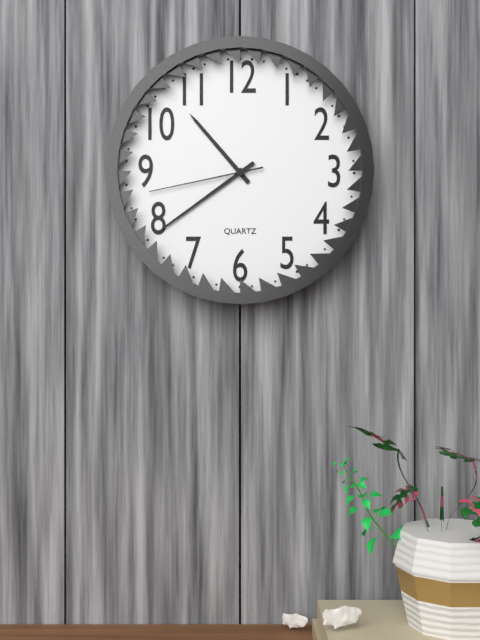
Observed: 10,39,43
